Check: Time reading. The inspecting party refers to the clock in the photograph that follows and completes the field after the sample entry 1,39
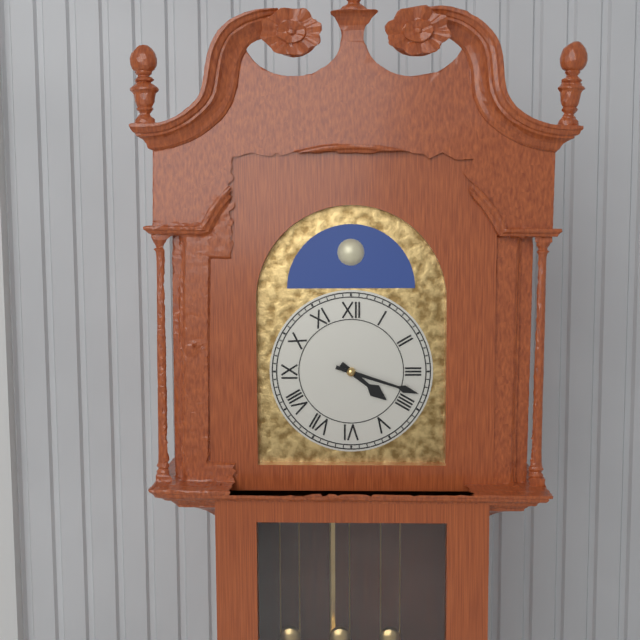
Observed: 4,18
